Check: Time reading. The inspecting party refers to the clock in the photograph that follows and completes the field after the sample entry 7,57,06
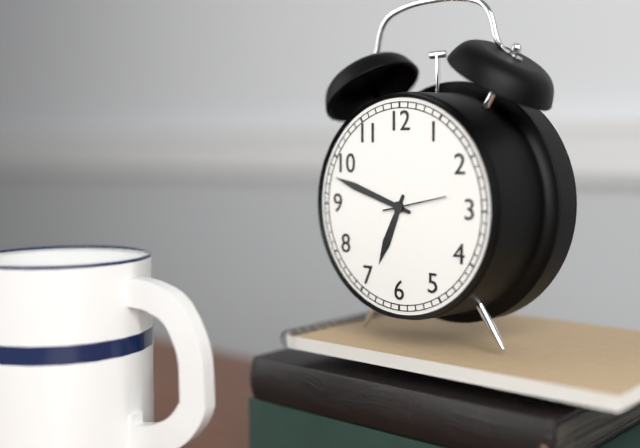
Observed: 6,48,13
